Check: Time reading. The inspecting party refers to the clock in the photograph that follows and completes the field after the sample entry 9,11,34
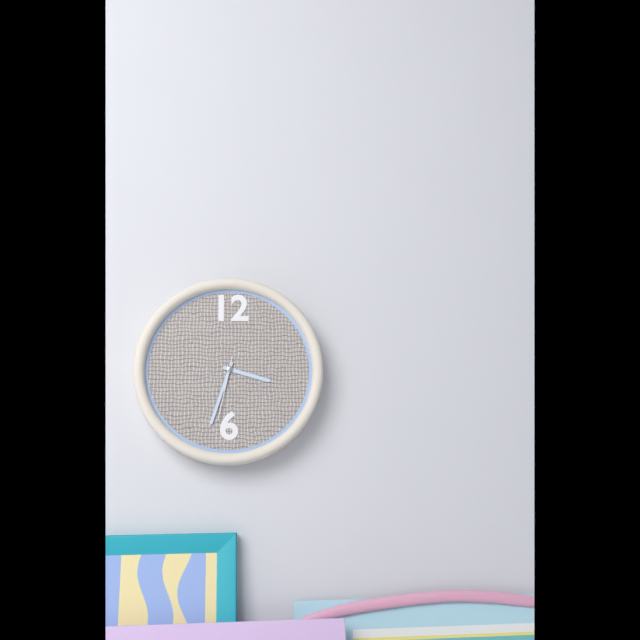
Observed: 3,33,32
